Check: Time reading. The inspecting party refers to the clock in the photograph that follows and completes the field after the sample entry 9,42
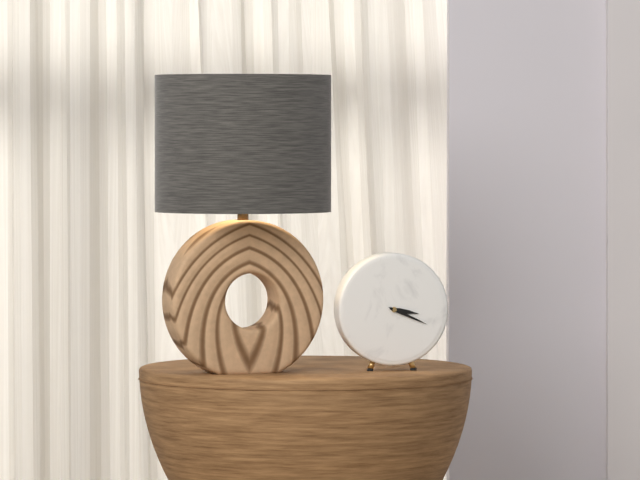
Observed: 3,19
